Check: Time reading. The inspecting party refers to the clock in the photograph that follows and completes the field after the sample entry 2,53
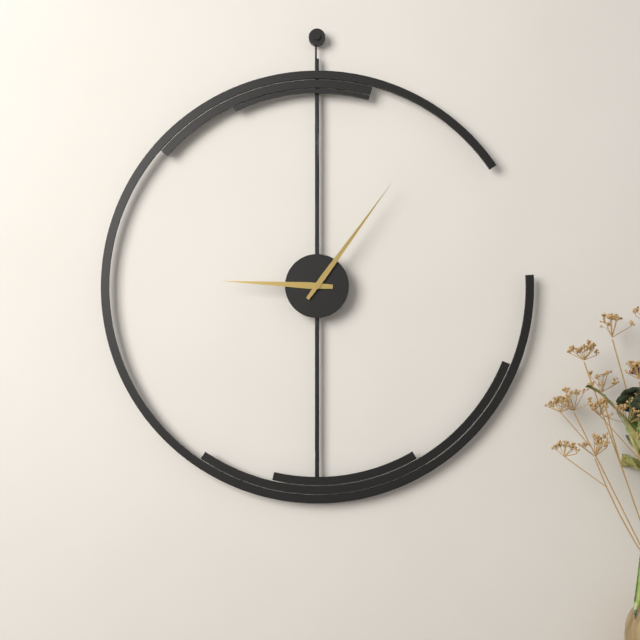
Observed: 9,06
